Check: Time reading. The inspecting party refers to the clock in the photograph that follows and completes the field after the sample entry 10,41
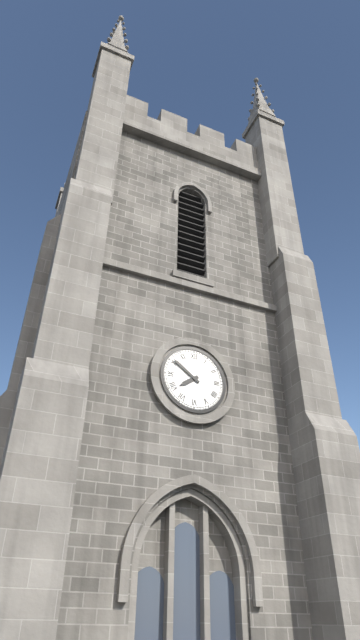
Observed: 7,51
